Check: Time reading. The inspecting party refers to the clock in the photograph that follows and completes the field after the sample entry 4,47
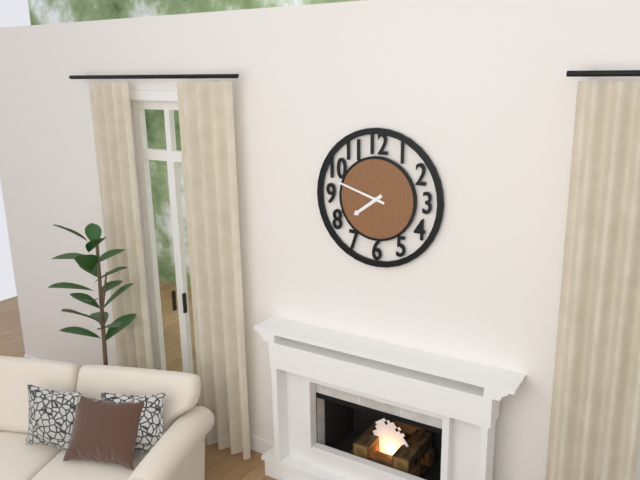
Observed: 7,48
